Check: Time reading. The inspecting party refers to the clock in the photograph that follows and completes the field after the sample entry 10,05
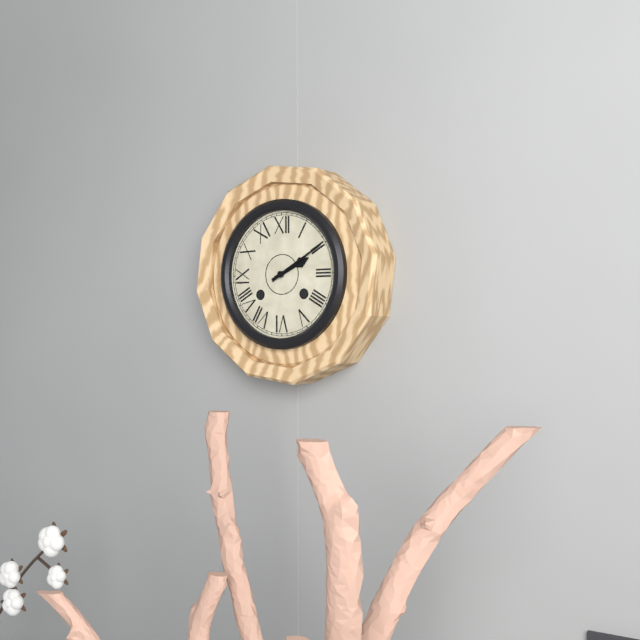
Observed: 2,10
